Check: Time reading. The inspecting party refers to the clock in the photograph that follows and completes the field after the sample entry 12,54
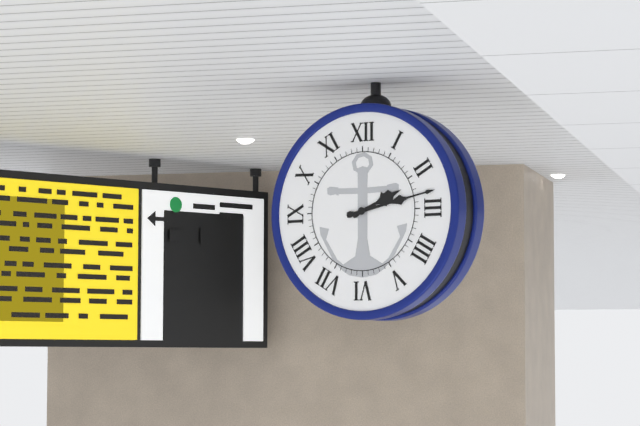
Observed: 2,13
